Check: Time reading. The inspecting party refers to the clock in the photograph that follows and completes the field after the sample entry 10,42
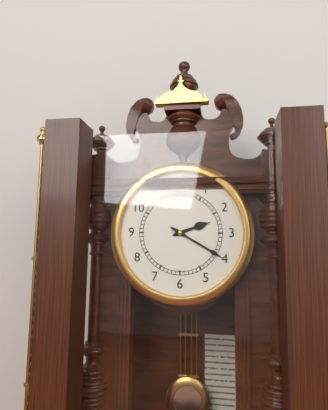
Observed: 2,20
